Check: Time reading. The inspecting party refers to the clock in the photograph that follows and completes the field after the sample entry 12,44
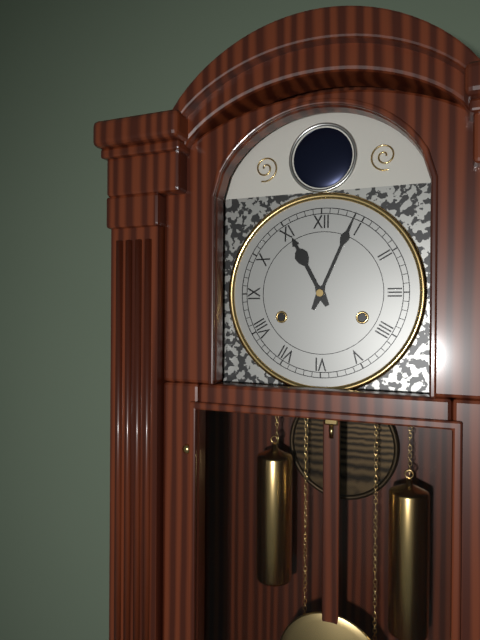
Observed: 11,04
